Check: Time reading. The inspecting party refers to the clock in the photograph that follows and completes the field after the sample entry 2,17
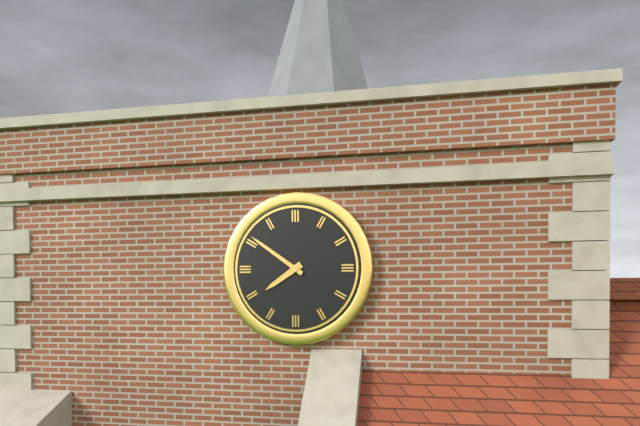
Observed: 7,51
